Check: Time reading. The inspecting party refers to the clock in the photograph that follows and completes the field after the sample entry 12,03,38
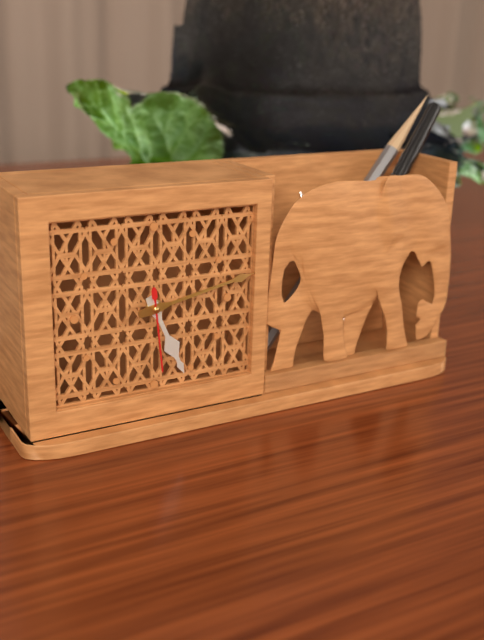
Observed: 5,13,29
